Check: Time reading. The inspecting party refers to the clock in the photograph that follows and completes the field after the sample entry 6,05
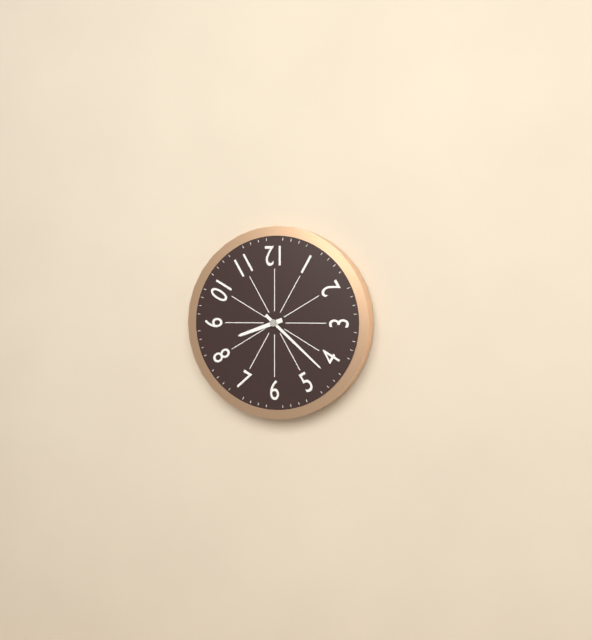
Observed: 8,22
